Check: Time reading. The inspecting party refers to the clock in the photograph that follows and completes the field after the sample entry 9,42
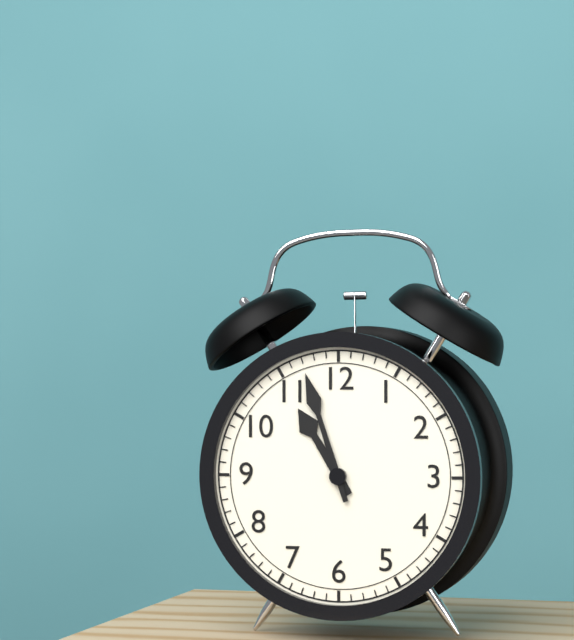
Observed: 10,57
